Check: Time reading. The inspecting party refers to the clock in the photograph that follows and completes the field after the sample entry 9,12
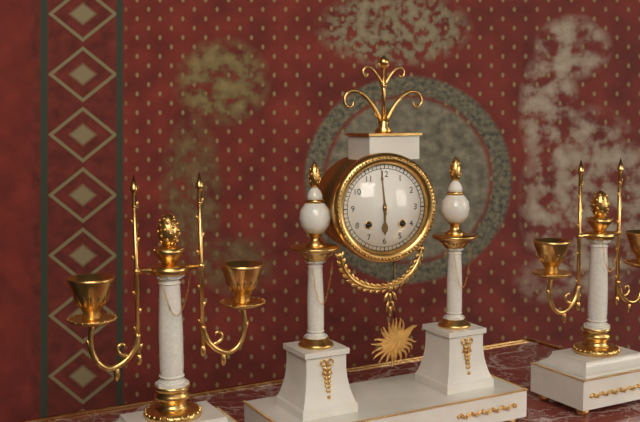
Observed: 5,59
